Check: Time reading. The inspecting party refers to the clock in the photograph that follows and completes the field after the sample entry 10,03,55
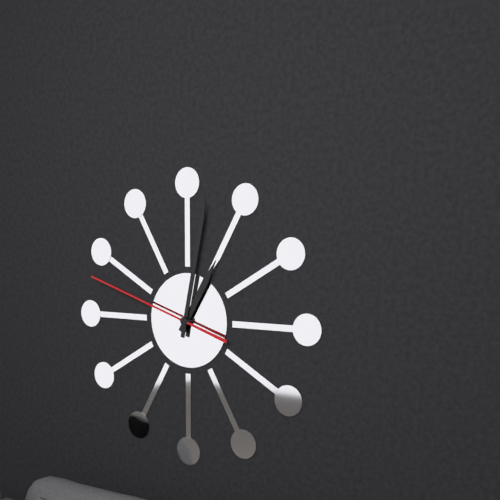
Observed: 1,02,48
